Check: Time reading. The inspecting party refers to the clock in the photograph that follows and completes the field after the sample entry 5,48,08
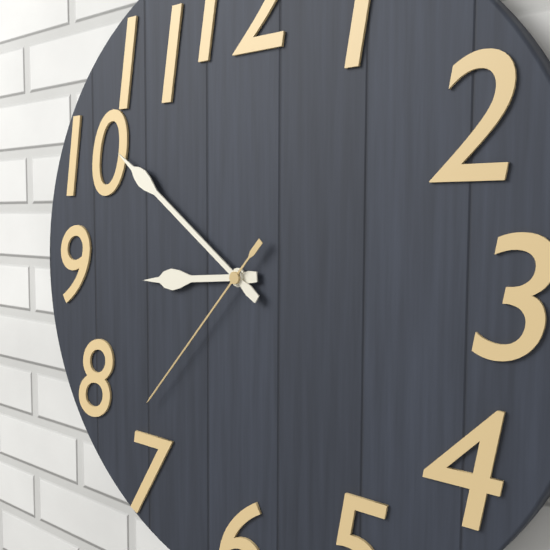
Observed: 8,51,37
